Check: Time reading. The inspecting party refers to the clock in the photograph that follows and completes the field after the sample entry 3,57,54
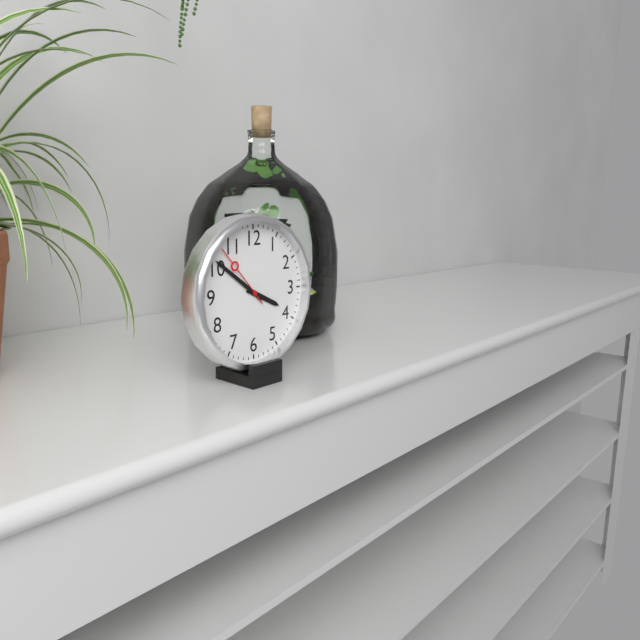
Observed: 3,51,53
